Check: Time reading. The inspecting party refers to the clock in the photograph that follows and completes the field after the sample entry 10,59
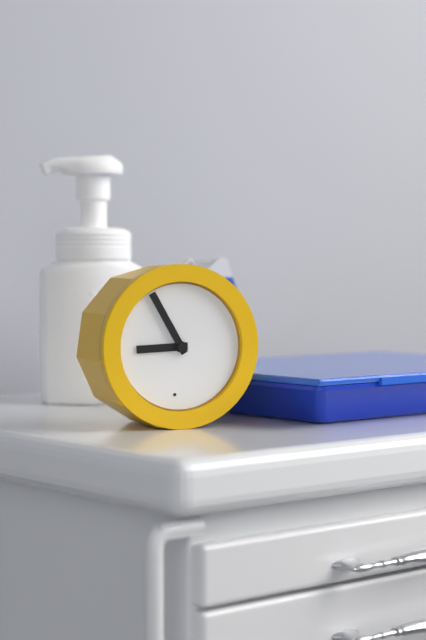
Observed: 8,55
